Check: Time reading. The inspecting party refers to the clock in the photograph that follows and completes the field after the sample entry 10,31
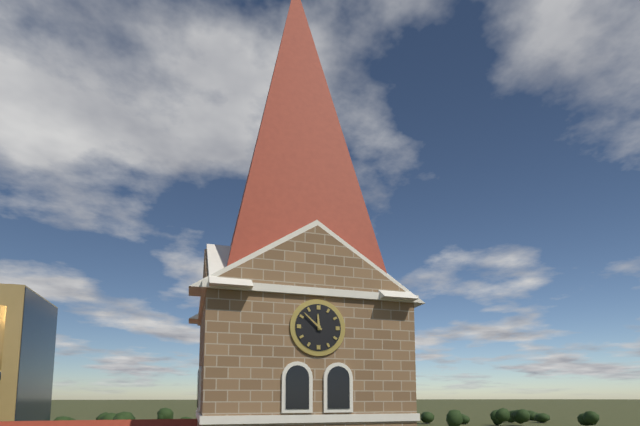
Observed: 11,52
